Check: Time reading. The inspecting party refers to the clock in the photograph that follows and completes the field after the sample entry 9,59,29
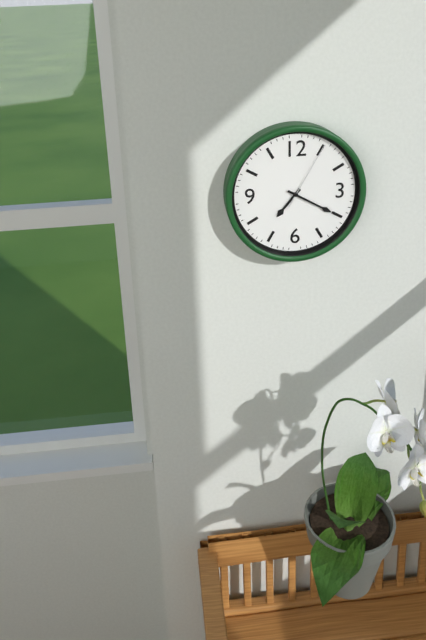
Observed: 7,20,05
